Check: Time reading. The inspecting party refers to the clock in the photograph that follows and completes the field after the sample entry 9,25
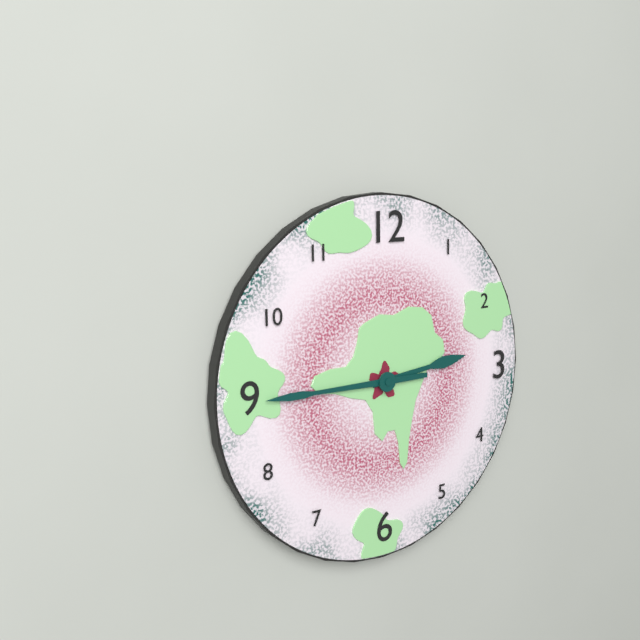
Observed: 2,45
